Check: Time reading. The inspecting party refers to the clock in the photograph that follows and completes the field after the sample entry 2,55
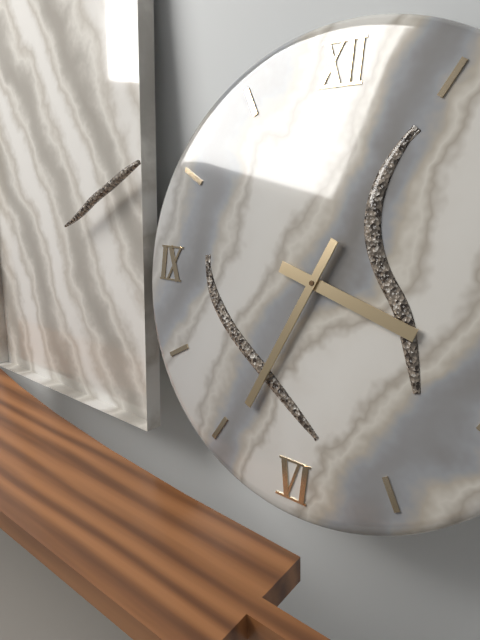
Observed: 3,34
